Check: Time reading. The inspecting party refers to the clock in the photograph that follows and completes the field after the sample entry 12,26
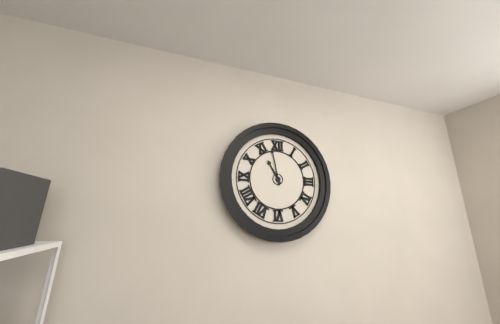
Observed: 10,58
